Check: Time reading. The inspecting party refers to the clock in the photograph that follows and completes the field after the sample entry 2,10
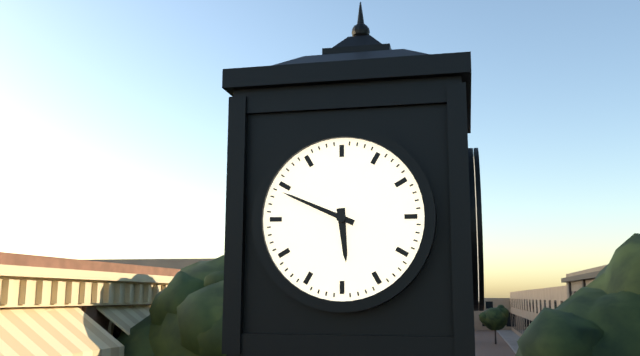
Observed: 5,49
